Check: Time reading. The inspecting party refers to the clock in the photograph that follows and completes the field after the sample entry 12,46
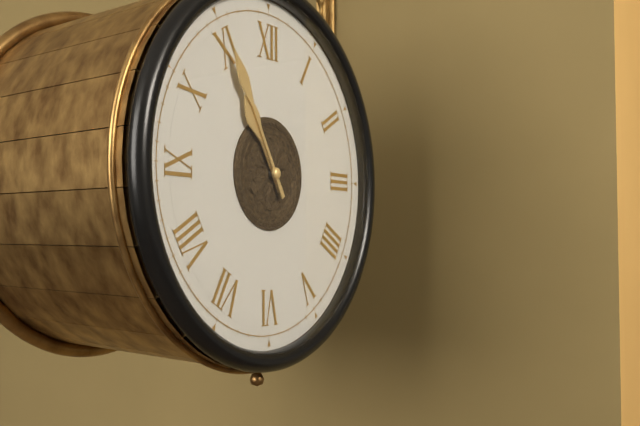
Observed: 10,55
